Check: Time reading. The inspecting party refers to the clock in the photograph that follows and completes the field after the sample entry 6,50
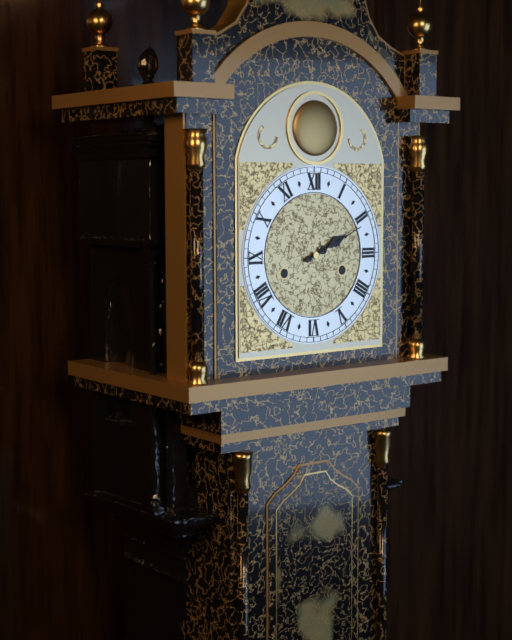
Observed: 2,11
